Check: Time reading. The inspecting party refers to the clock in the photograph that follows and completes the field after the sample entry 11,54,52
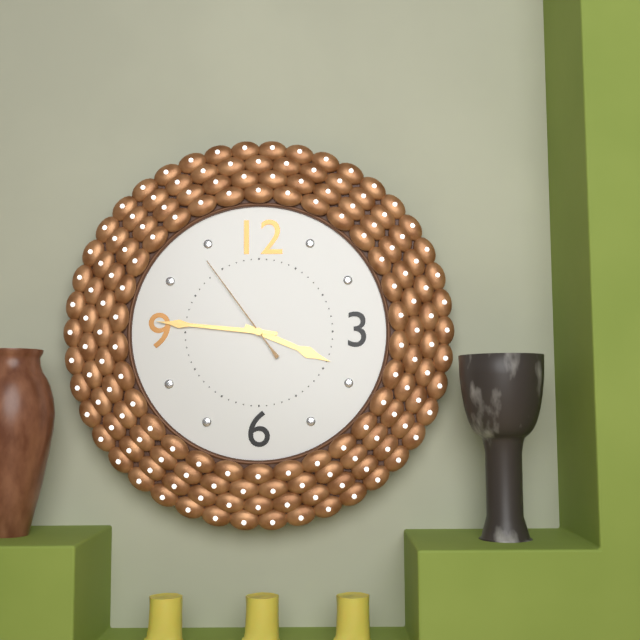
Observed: 3,46,54
